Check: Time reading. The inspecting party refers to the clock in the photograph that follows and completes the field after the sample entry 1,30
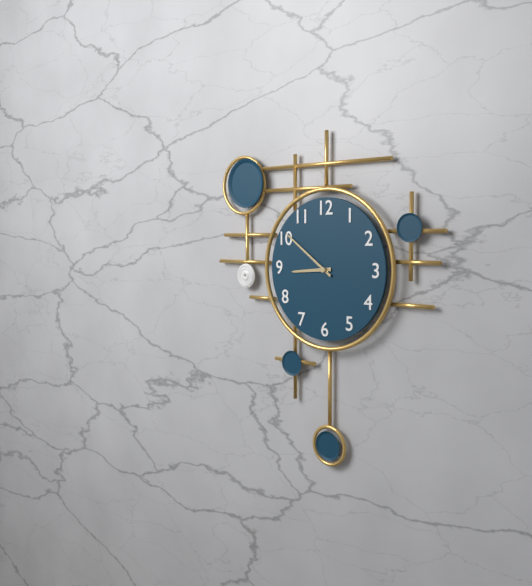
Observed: 8,51
